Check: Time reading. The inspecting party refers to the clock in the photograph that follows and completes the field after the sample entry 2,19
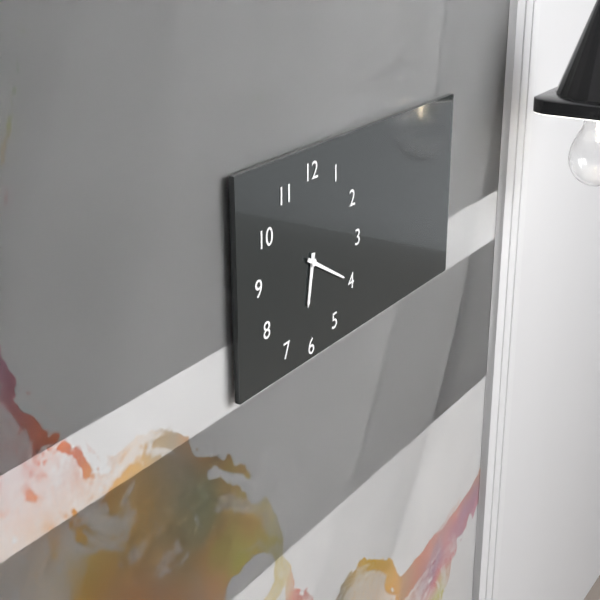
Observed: 6,20
